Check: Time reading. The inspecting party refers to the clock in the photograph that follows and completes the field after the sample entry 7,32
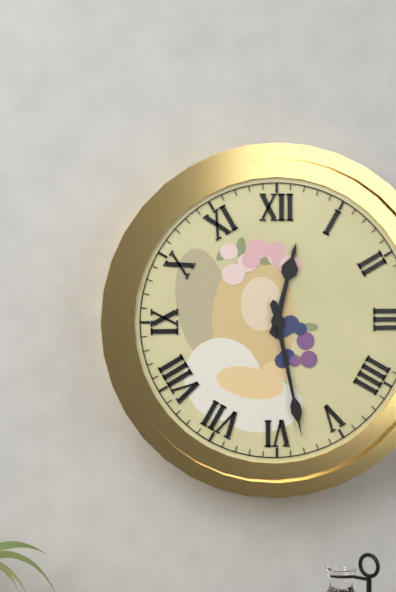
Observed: 12,28
